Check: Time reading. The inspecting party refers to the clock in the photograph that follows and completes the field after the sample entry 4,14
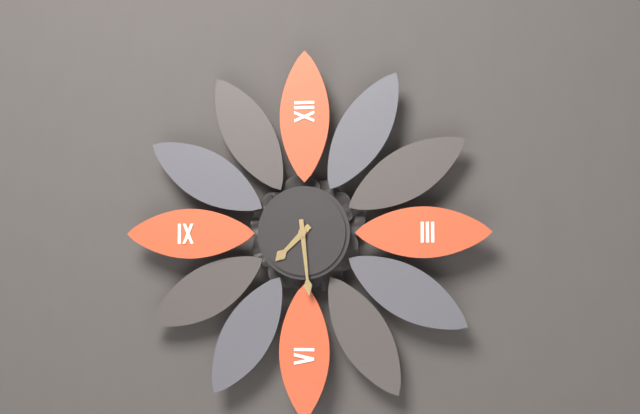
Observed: 7,29
